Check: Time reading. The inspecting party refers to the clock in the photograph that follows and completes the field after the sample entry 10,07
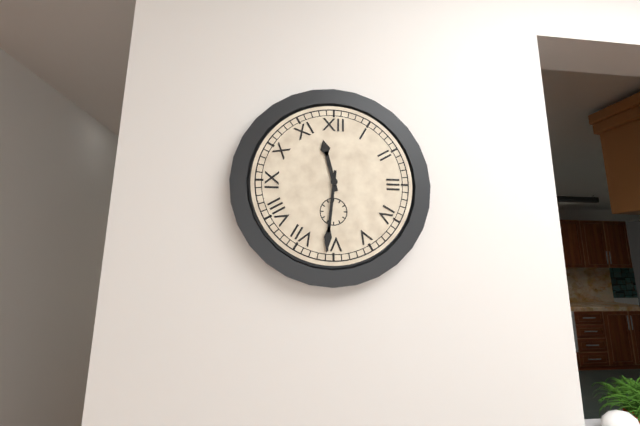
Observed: 11,31
